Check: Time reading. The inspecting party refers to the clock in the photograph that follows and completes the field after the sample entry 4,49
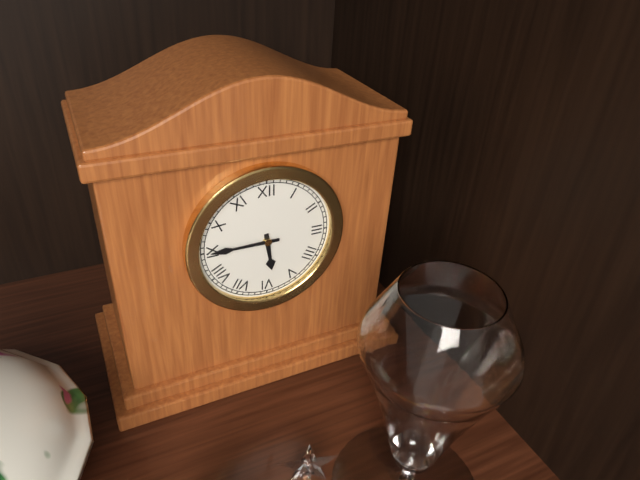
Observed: 5,45
